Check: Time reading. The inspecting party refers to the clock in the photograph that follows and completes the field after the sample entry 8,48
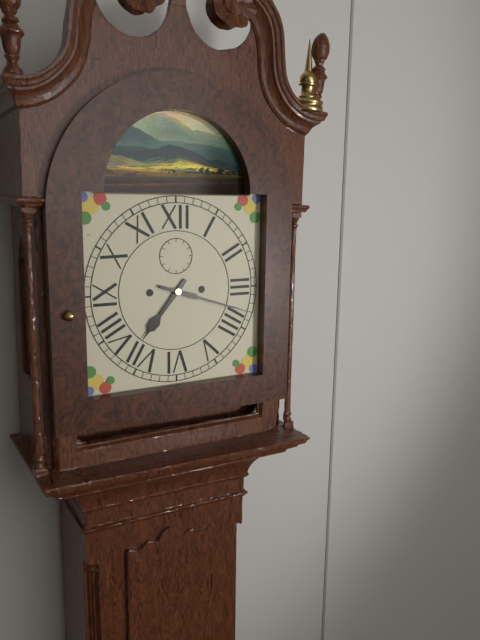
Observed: 7,18
